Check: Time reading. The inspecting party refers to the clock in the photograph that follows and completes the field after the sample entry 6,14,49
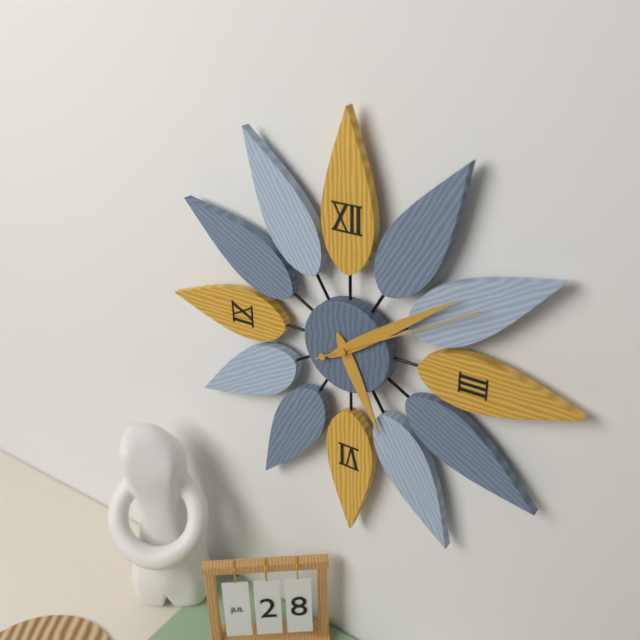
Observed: 5,09,10
